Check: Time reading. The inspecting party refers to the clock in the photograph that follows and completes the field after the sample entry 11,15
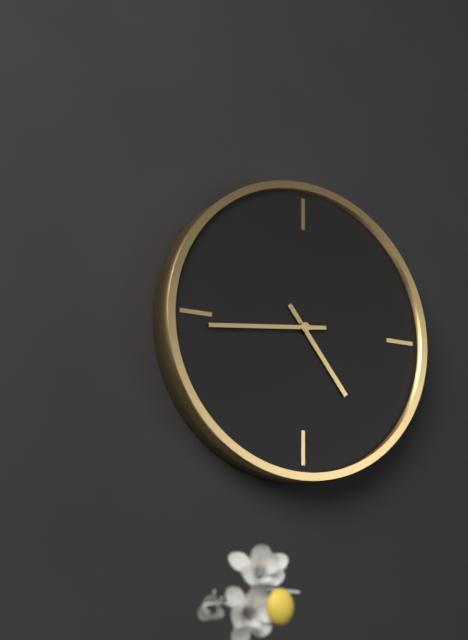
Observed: 4,44
